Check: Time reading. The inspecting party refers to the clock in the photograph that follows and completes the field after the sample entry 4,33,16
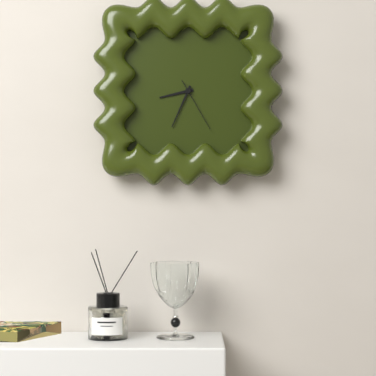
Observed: 8,34,25
